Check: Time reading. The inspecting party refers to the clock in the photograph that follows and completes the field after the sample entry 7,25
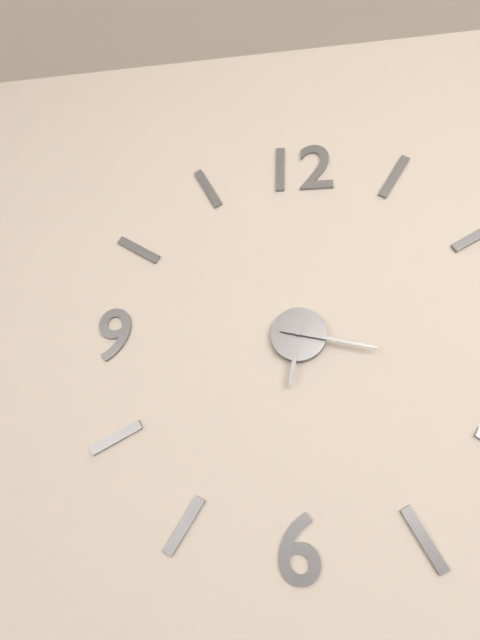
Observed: 6,17
